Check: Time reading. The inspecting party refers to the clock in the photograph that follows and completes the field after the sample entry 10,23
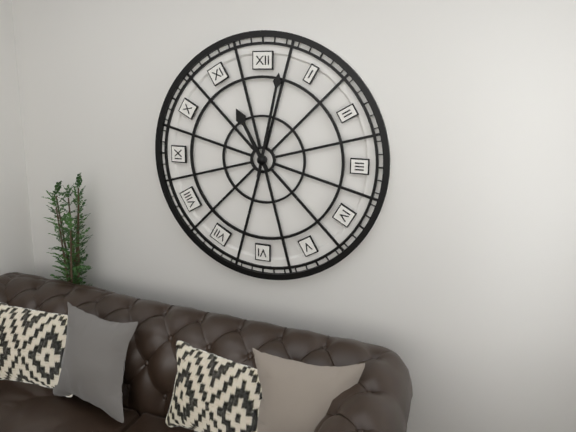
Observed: 11,02
